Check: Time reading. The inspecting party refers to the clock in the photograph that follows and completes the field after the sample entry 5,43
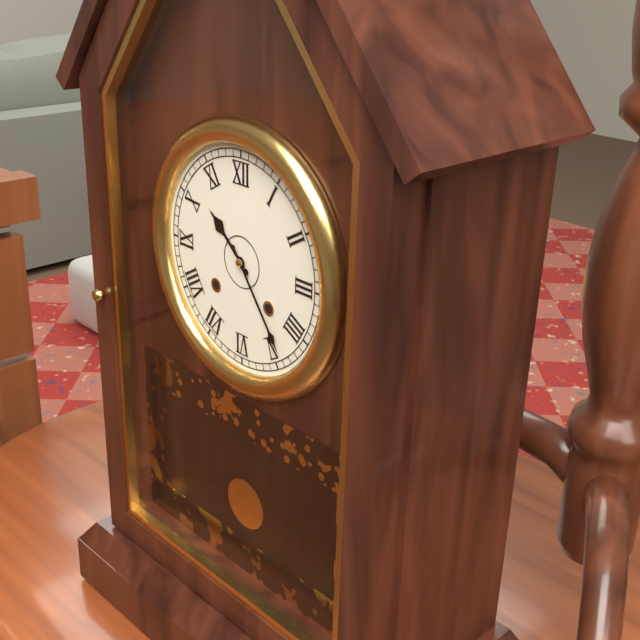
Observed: 10,24
